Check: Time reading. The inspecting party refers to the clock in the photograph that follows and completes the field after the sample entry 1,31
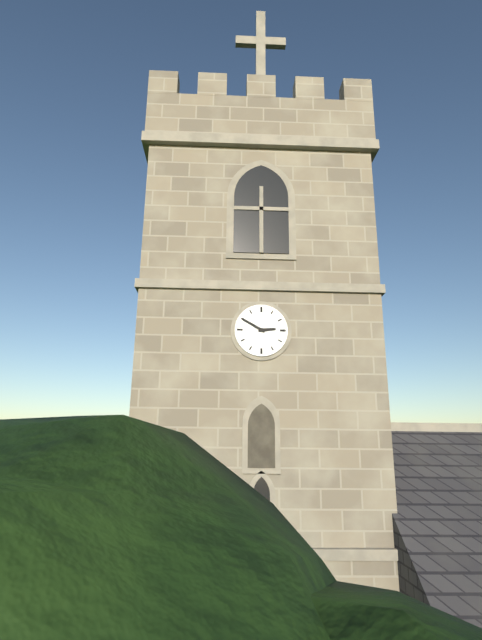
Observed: 2,50
